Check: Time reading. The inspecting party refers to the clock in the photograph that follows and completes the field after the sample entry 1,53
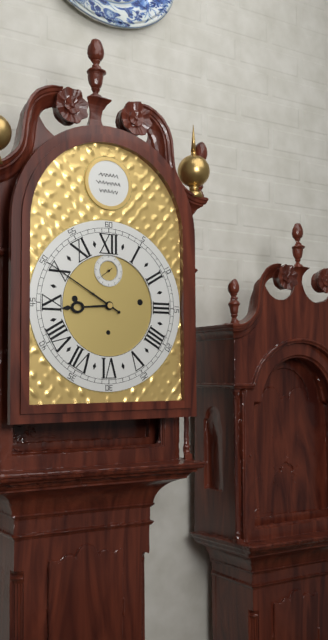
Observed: 8,50
